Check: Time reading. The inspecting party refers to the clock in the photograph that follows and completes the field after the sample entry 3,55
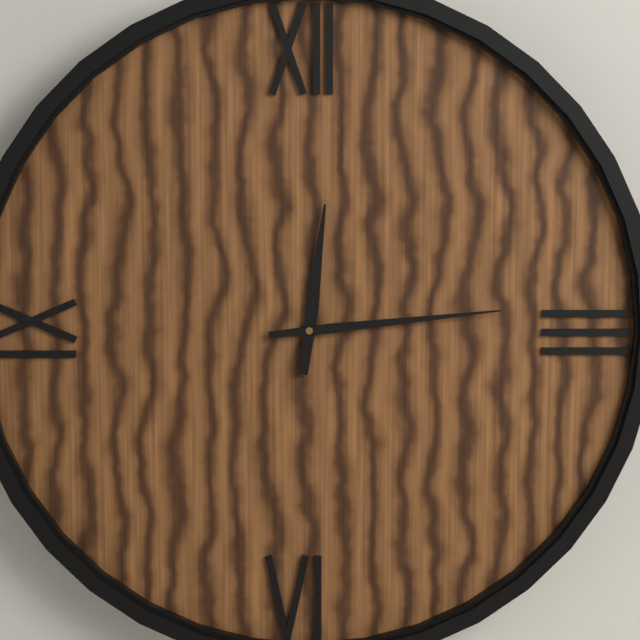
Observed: 12,14
